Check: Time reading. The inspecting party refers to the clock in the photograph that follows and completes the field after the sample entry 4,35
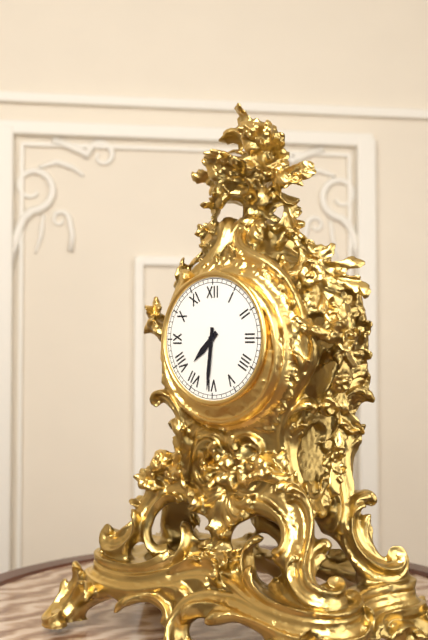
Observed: 7,31
